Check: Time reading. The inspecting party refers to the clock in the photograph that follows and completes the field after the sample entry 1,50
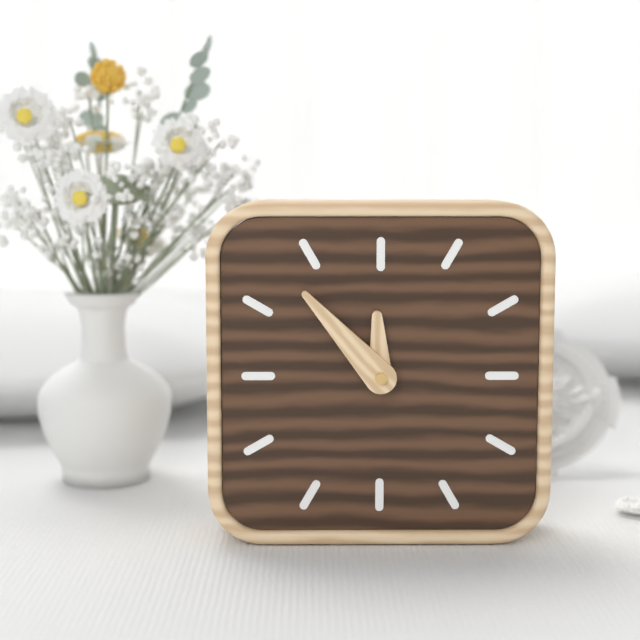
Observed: 11,53
